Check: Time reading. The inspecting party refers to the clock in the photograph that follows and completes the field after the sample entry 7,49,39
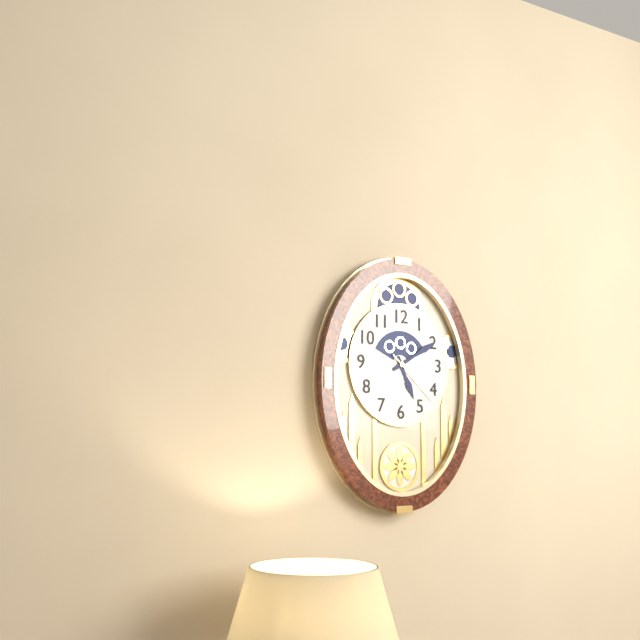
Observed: 5,10,22
